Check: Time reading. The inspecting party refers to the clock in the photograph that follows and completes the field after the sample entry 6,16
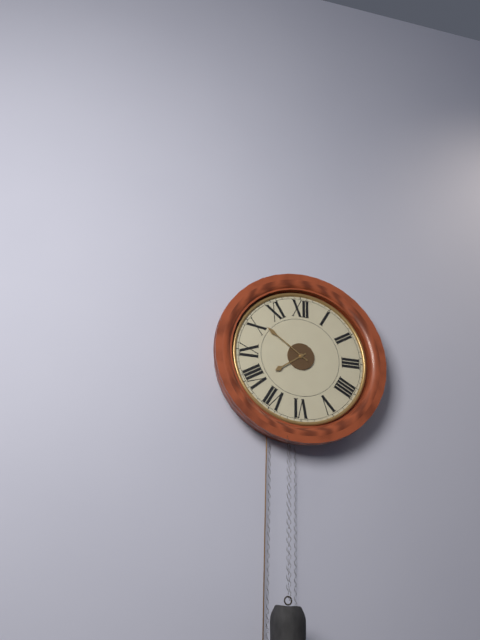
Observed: 7,51
